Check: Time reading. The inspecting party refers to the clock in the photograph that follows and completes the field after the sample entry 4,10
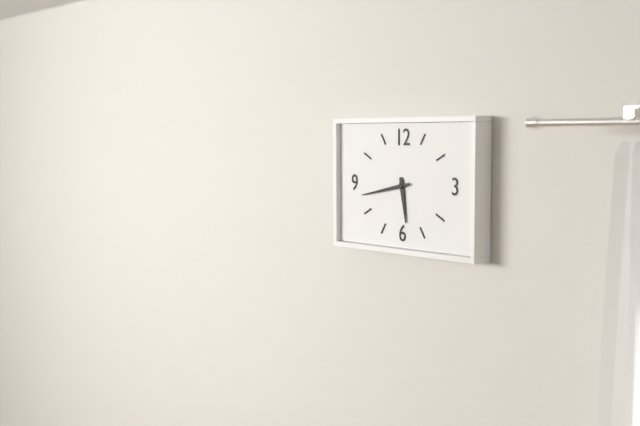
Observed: 5,43
